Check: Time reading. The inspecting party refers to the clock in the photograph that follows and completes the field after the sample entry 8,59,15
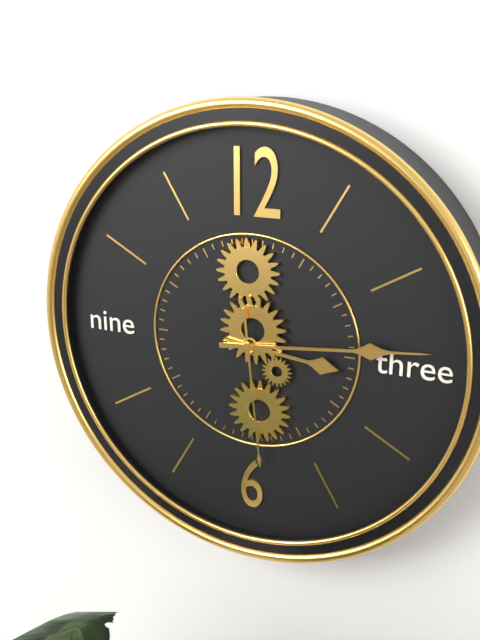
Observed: 3,14,29
